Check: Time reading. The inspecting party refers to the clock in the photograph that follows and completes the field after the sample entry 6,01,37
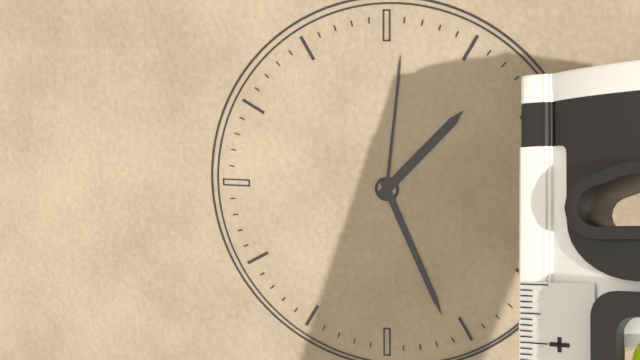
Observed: 1,26,01
